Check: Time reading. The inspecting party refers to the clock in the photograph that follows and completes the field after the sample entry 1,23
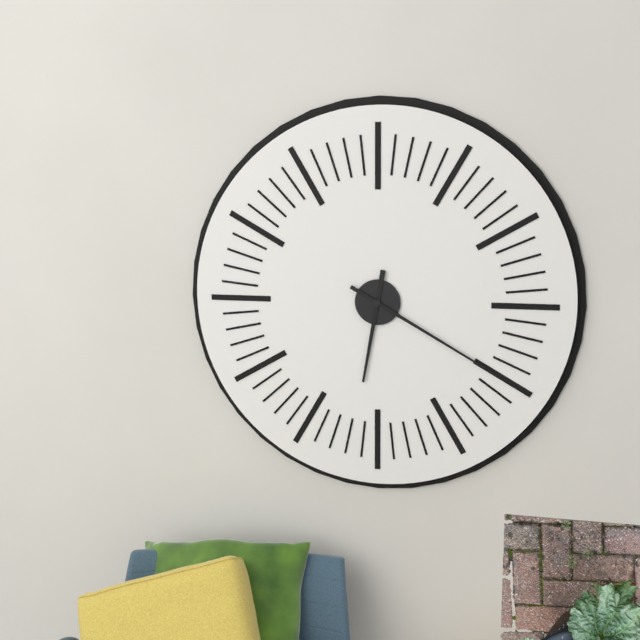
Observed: 6,20
